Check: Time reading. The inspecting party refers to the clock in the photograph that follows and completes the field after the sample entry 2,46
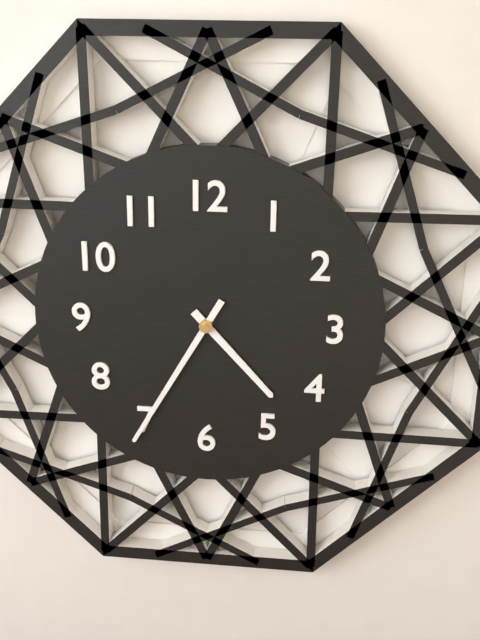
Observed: 4,35
